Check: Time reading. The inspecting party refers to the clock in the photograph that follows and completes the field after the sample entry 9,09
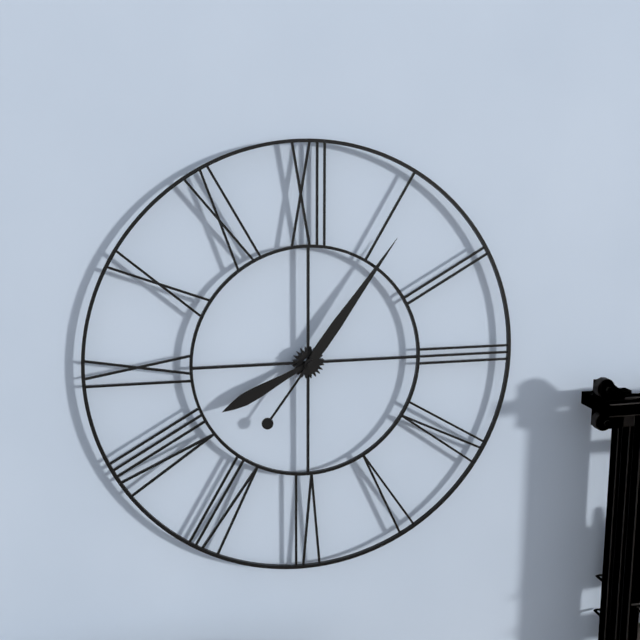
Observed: 8,06
